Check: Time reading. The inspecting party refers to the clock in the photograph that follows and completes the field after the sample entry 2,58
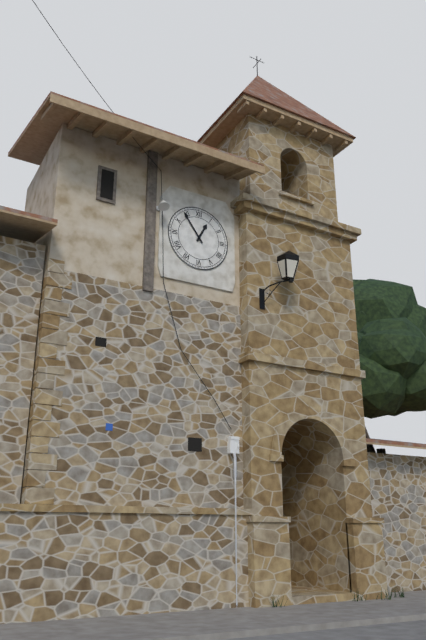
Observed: 12,54
